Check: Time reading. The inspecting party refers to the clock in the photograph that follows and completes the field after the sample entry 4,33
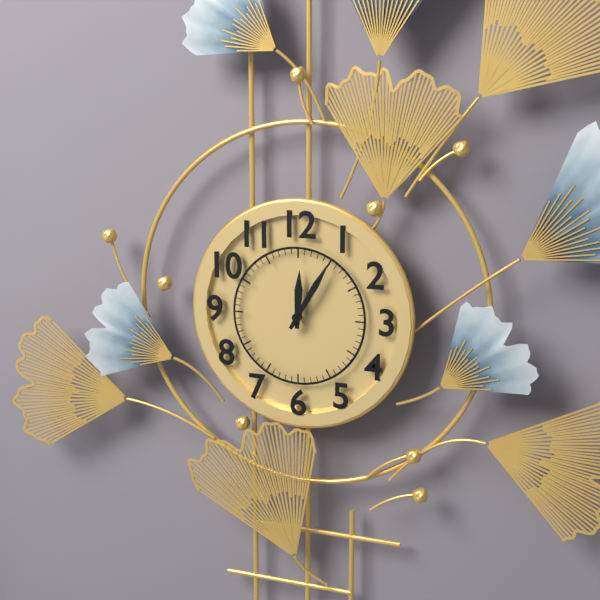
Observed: 12,05
